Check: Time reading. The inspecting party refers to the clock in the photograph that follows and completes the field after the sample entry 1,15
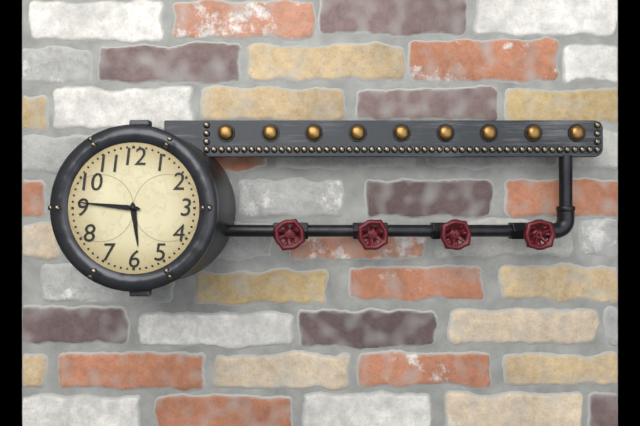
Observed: 5,46
